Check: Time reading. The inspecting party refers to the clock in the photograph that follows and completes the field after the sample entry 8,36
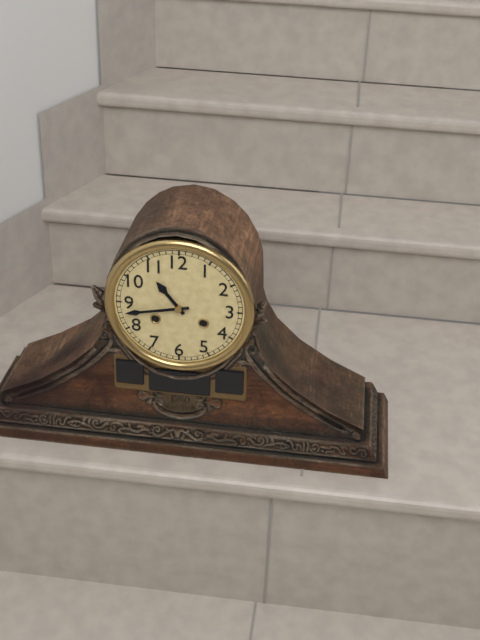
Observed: 10,43
